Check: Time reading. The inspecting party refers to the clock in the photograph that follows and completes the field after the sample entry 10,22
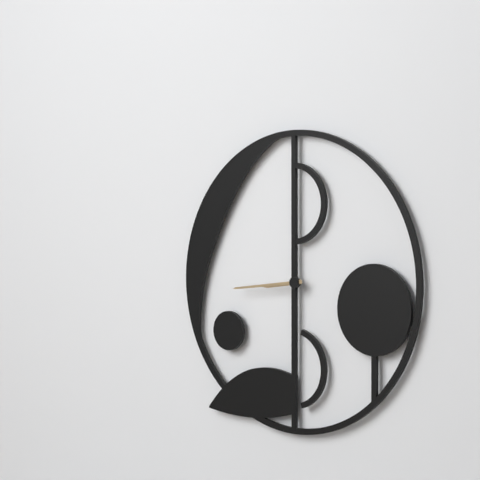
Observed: 8,44
